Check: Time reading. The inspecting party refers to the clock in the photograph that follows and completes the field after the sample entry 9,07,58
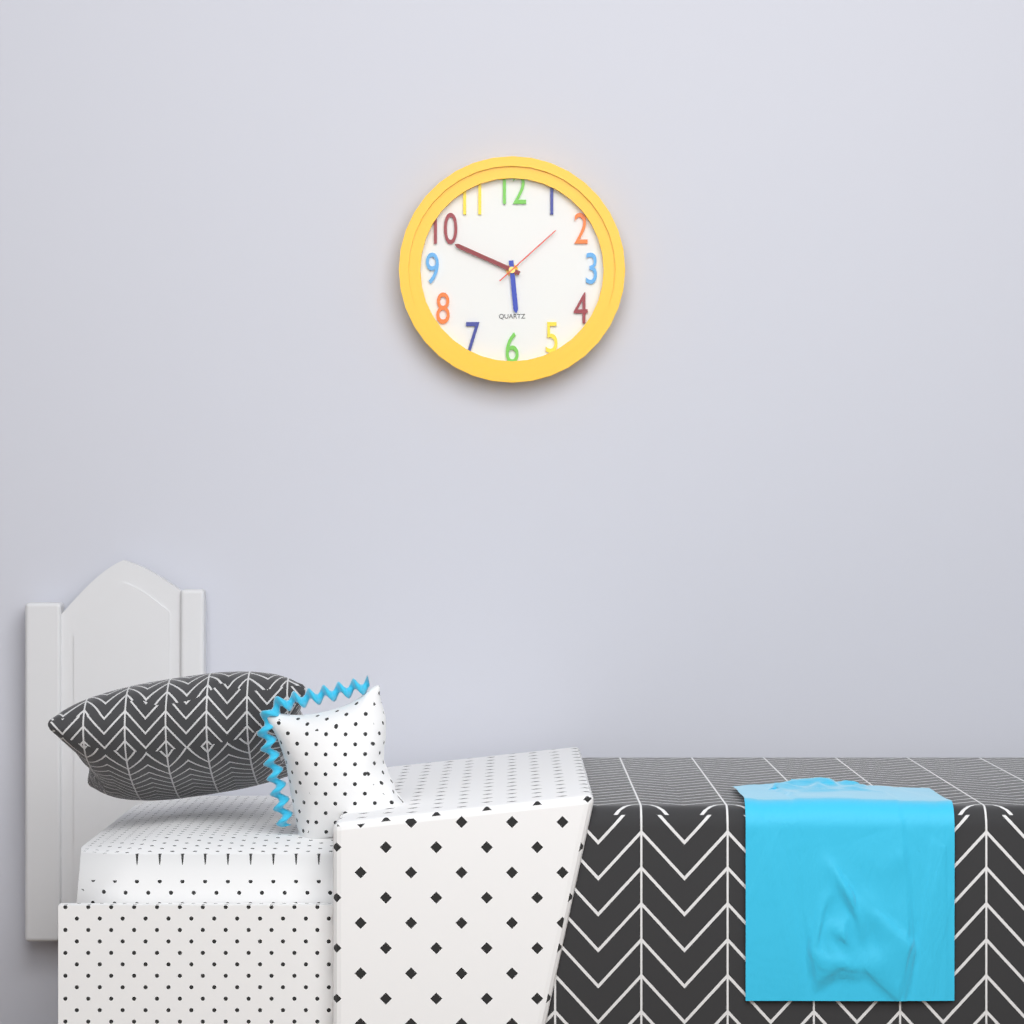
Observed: 5,49,08
